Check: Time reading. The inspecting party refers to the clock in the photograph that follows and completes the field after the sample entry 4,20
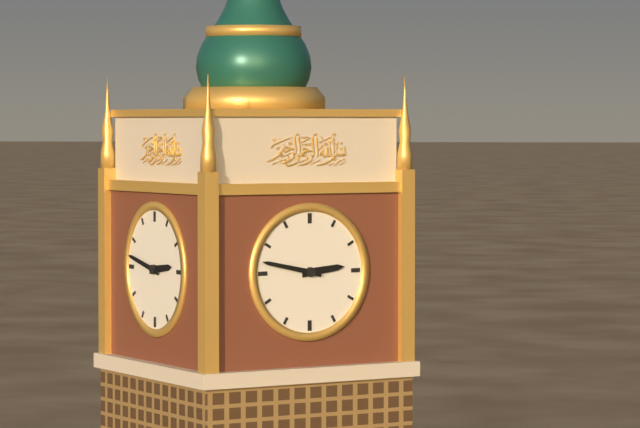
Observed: 2,47
